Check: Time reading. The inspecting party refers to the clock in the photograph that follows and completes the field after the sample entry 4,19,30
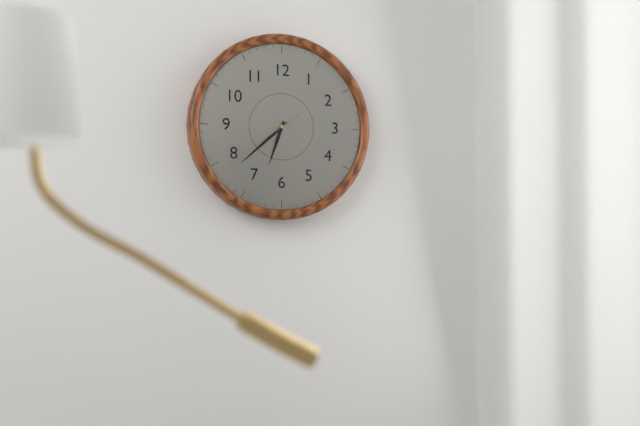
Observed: 6,38,39
